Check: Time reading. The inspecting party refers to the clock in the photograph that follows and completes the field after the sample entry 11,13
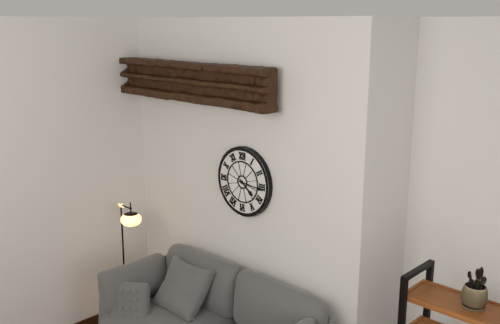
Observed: 4,16
